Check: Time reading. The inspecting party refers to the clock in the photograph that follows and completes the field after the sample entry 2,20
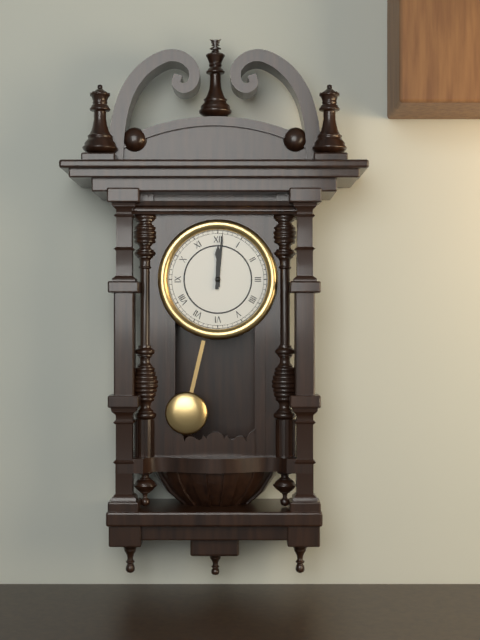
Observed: 12,01
